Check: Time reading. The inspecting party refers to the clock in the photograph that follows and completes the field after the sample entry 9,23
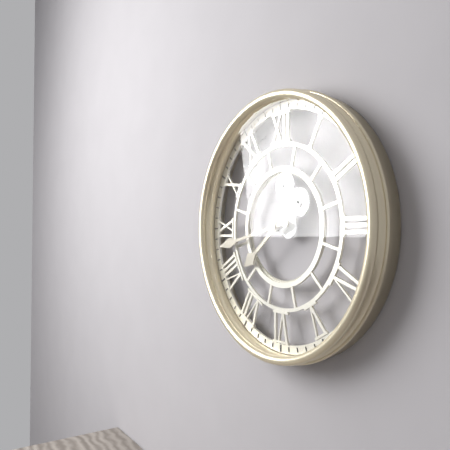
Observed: 7,43
